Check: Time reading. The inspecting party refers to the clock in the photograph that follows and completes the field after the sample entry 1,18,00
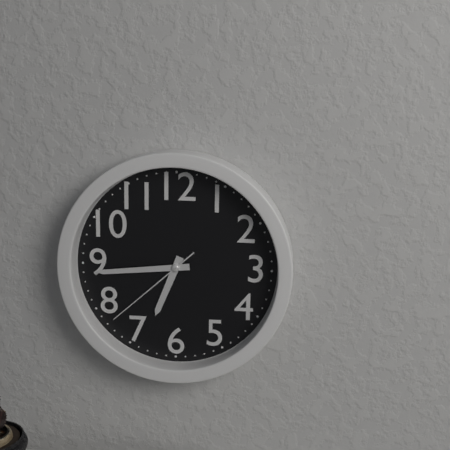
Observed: 6,44,38
